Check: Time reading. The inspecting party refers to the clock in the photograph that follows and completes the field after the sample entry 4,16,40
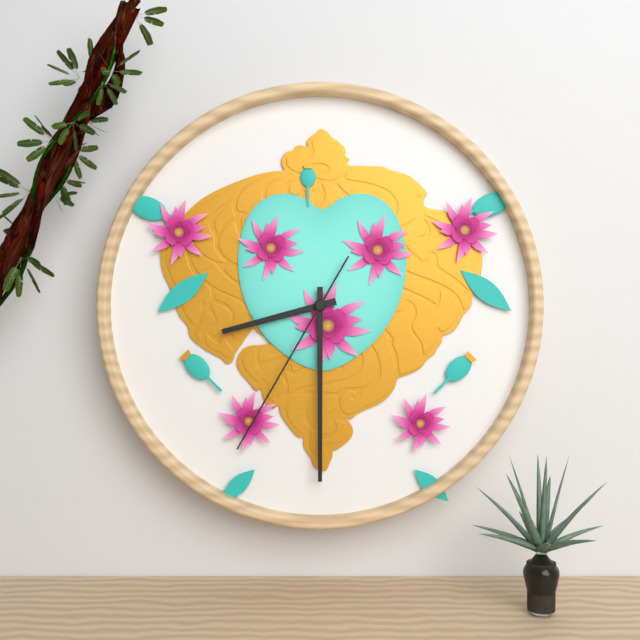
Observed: 8,30,35
